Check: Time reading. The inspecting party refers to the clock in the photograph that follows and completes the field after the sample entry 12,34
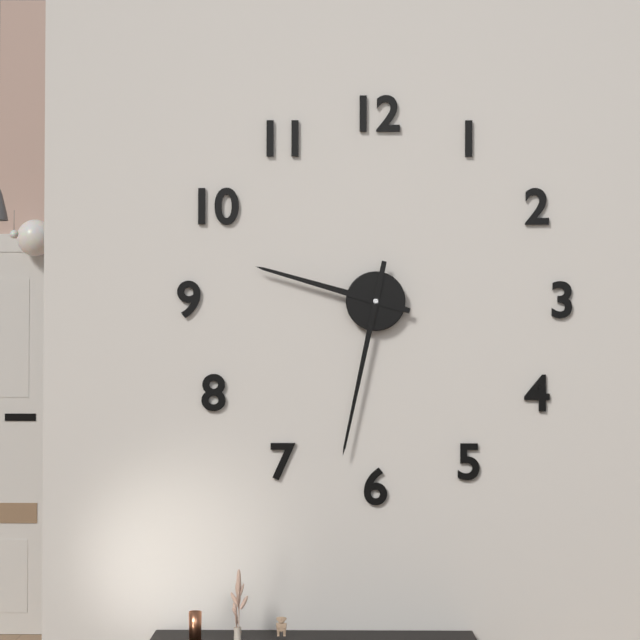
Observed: 9,32
